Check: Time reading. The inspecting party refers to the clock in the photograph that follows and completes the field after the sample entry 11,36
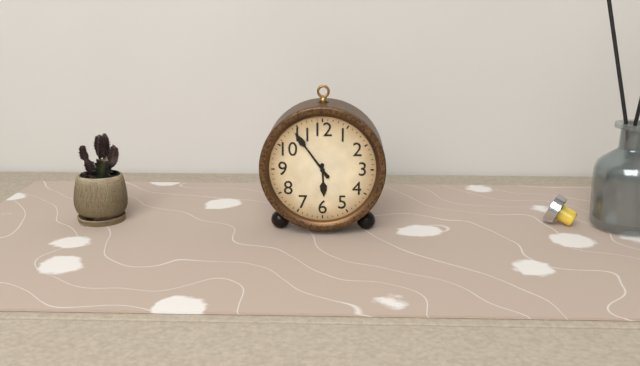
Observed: 5,54
